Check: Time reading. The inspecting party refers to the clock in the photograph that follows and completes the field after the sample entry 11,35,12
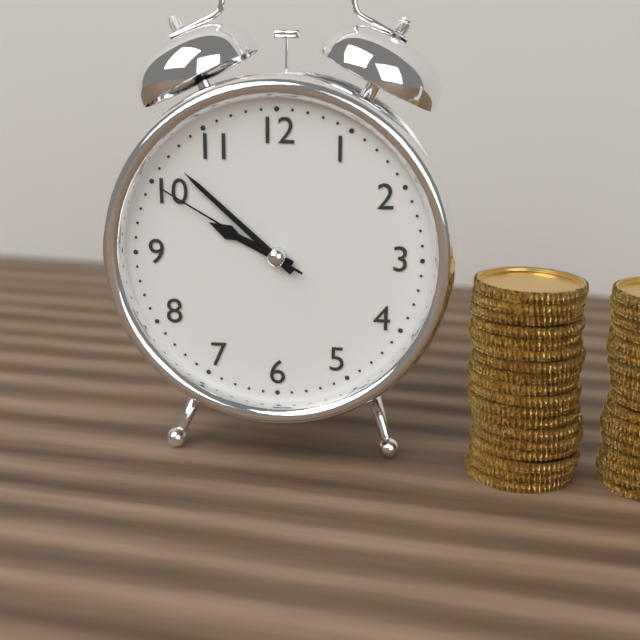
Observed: 9,52,50
